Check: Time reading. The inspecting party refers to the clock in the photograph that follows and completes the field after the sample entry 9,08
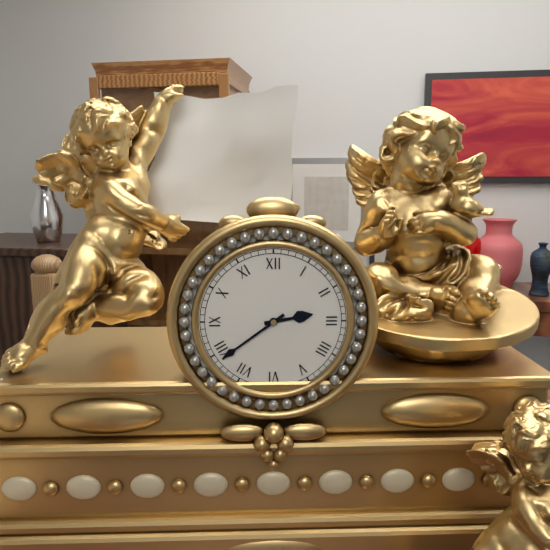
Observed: 2,39
